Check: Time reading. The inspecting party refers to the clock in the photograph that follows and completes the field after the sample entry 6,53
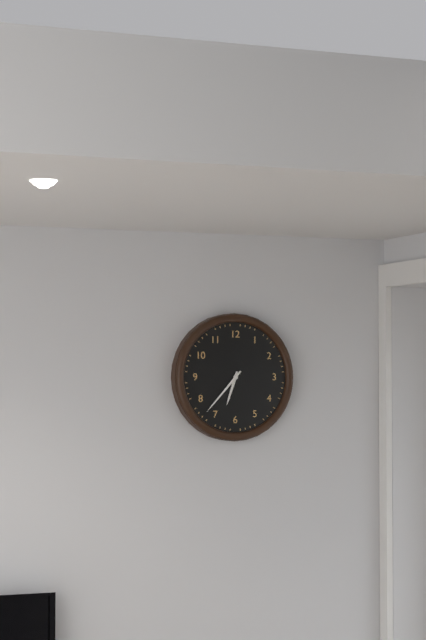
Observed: 6,37
